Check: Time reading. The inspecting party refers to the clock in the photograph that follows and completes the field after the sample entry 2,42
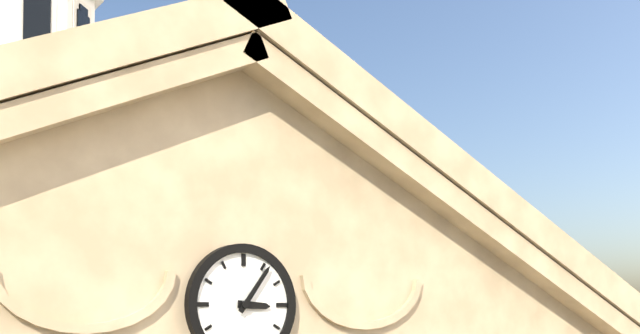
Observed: 3,06
